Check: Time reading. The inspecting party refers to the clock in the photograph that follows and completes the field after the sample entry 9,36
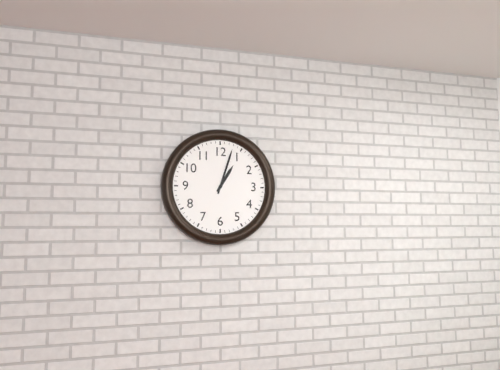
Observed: 1,03
